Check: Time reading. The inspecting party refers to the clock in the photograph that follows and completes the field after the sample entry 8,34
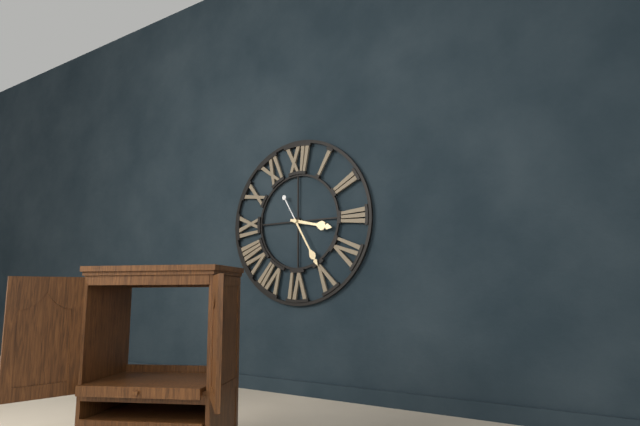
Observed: 3,25
